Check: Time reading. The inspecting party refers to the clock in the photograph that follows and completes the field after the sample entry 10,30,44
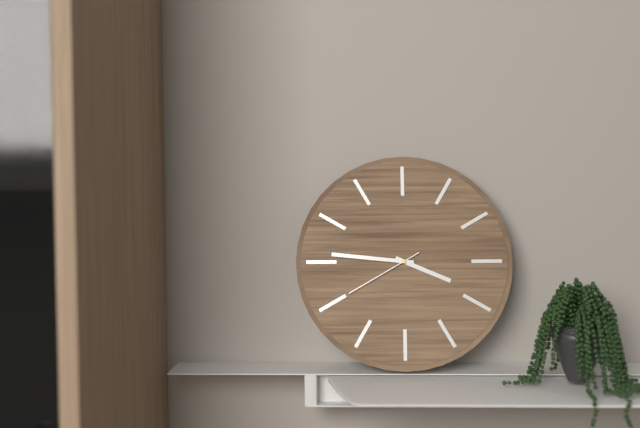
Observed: 3,46,40
